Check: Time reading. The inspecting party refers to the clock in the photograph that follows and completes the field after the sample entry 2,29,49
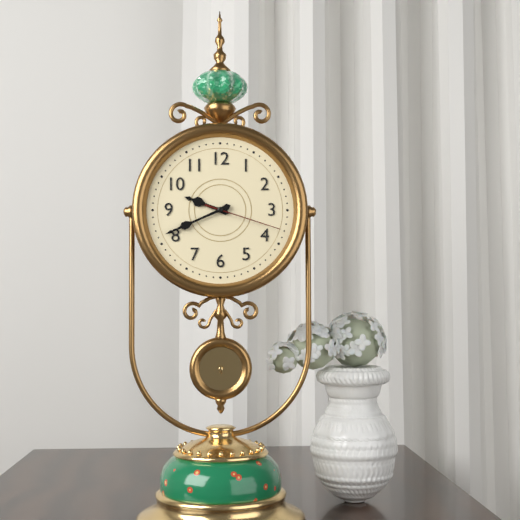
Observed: 9,41,18
